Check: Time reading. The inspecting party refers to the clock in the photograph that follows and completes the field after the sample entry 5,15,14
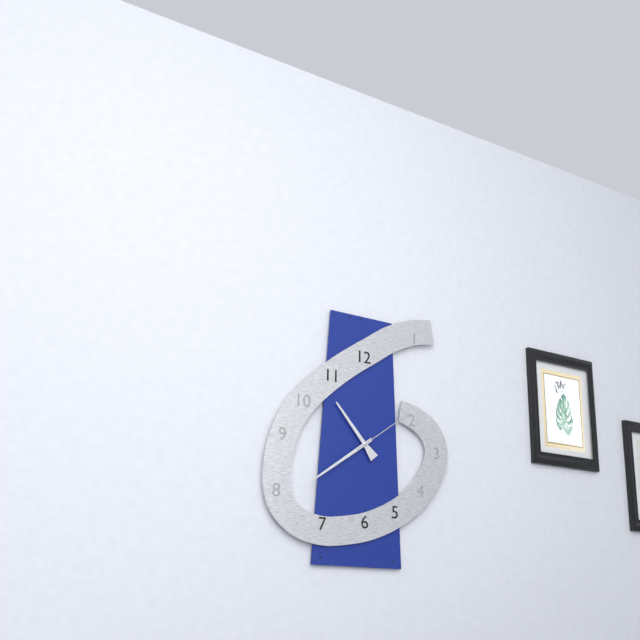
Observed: 10,39,09
